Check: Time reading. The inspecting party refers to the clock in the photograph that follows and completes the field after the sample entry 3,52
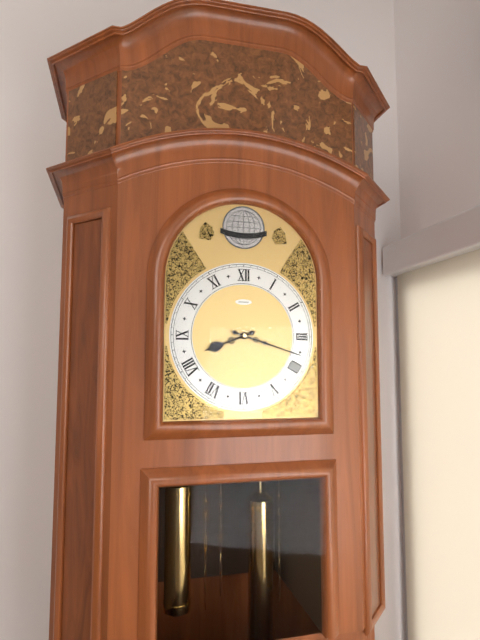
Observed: 8,18
